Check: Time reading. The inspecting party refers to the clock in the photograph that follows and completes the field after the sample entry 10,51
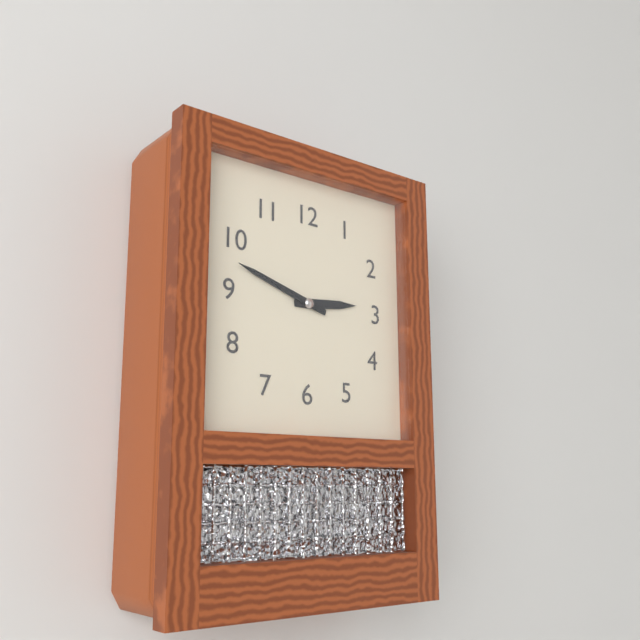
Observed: 2,48
